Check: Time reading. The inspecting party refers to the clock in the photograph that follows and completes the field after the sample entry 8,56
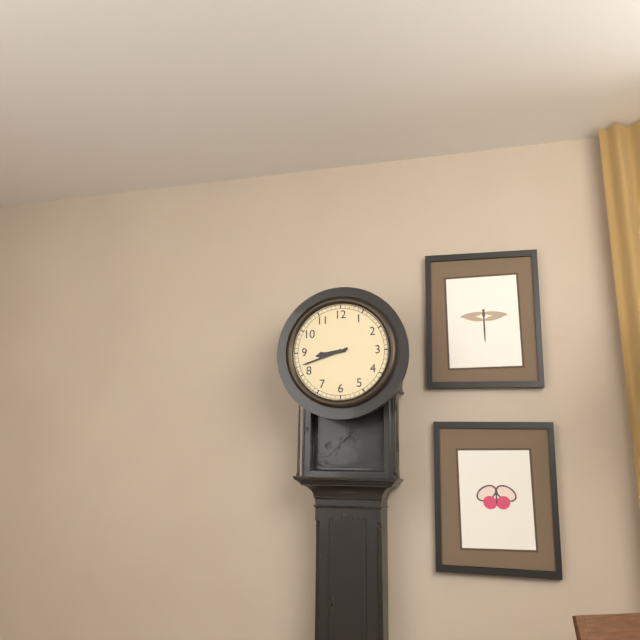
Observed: 8,42
